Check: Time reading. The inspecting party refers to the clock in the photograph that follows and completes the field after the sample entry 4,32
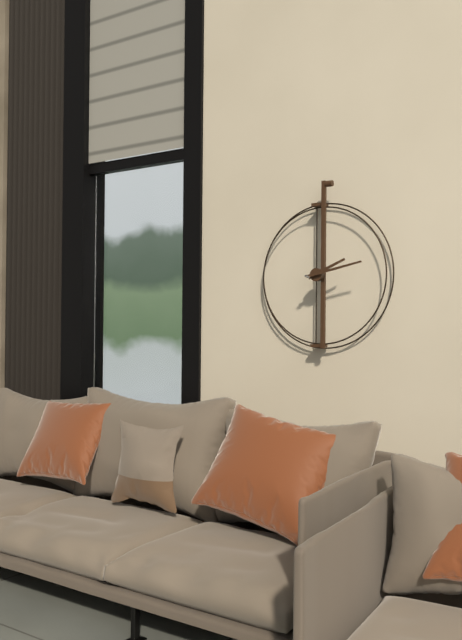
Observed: 2,13
